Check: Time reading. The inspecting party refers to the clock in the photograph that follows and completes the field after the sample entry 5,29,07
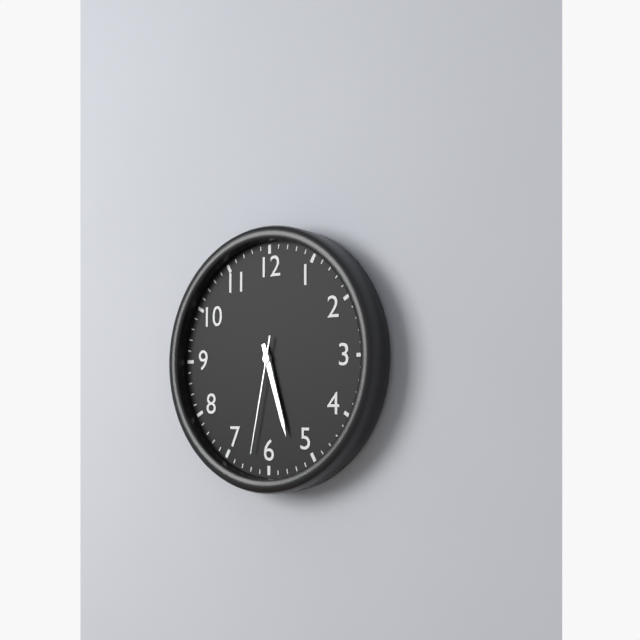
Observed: 5,27,32
